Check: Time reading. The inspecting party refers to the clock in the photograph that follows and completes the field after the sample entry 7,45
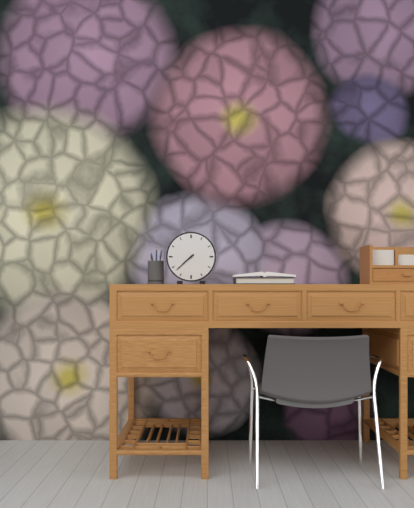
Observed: 7,38
